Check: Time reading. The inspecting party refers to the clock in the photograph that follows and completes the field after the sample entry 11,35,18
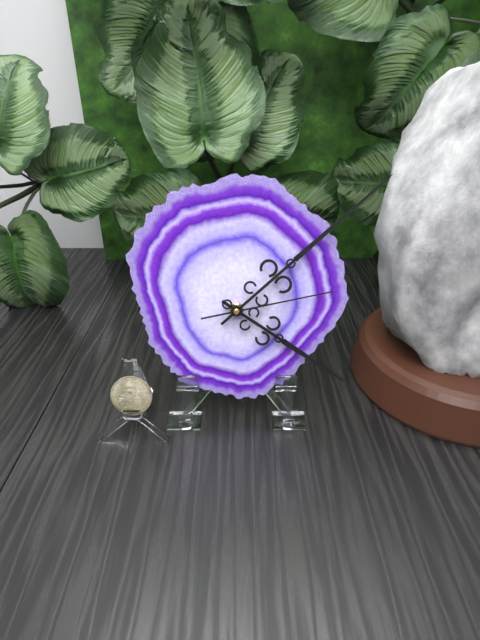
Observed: 4,08,13
